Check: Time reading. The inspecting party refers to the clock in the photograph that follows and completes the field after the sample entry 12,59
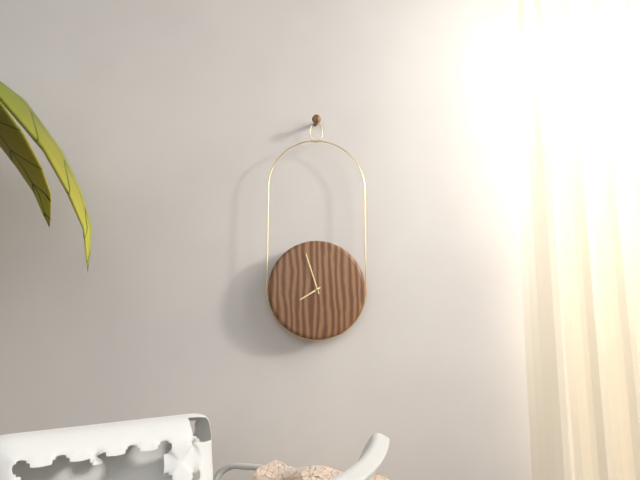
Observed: 7,57
